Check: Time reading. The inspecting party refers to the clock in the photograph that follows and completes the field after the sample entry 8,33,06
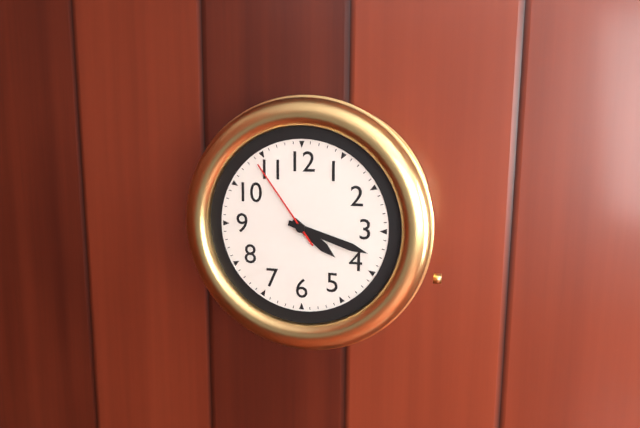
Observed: 4,18,54
